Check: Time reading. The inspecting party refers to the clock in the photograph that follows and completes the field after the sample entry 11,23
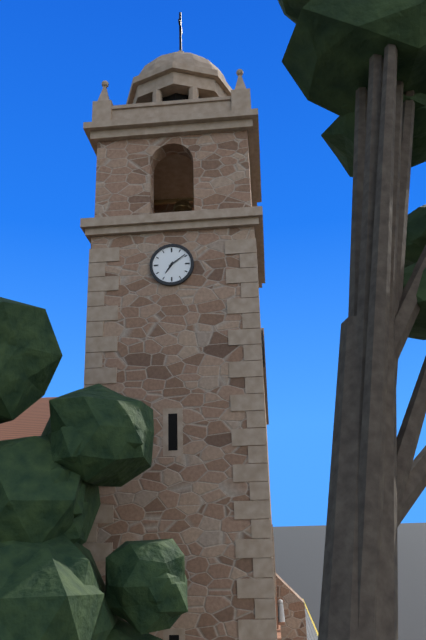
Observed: 7,09
